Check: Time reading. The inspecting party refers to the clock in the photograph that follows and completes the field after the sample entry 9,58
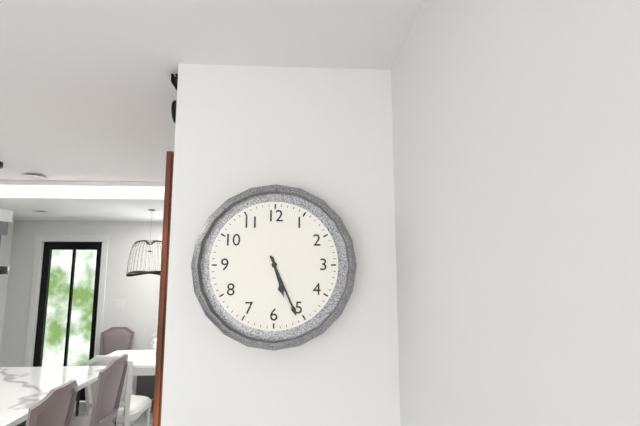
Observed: 5,26
